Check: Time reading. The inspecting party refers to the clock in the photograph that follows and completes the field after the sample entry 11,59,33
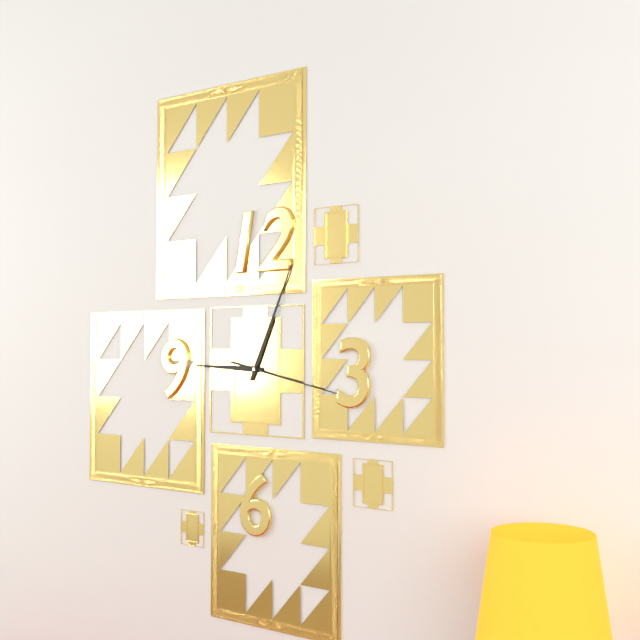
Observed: 9,04,17
